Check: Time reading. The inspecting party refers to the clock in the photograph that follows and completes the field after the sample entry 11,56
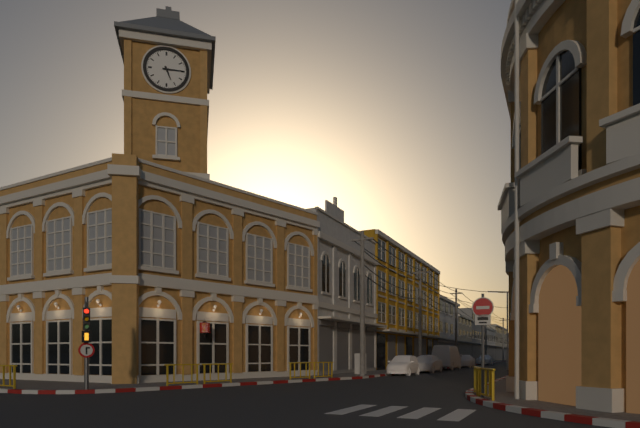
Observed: 5,15
